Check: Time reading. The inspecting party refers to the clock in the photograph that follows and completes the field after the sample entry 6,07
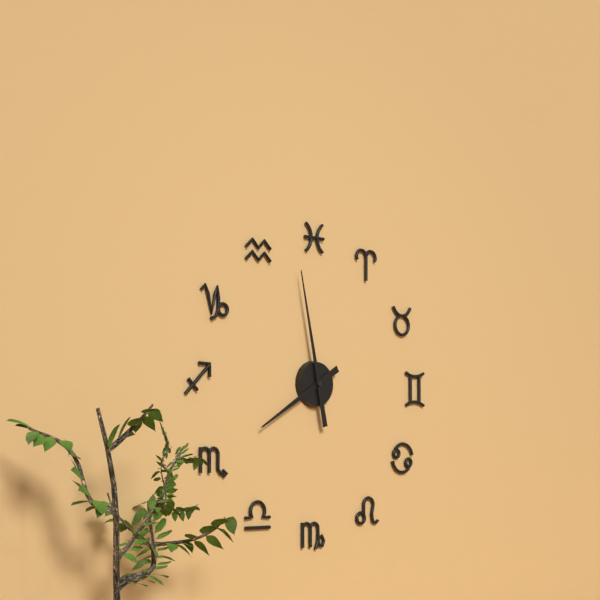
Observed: 7,58
